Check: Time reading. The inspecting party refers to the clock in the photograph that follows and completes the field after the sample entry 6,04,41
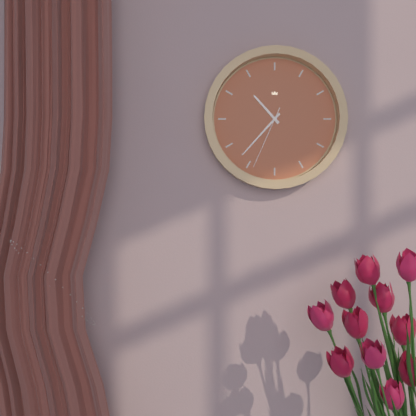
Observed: 10,37,34
